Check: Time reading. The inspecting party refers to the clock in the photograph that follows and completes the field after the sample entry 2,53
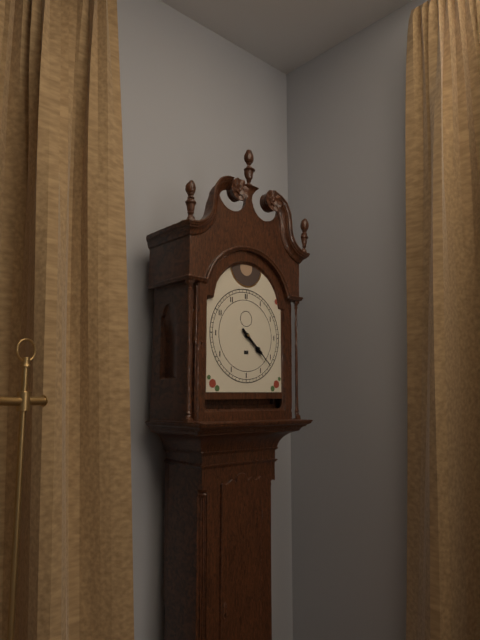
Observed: 4,22
